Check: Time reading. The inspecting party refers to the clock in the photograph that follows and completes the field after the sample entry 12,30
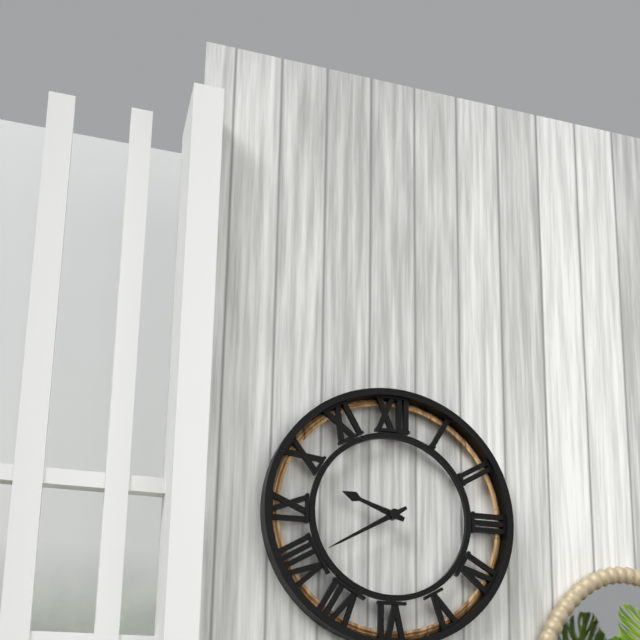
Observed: 9,40
